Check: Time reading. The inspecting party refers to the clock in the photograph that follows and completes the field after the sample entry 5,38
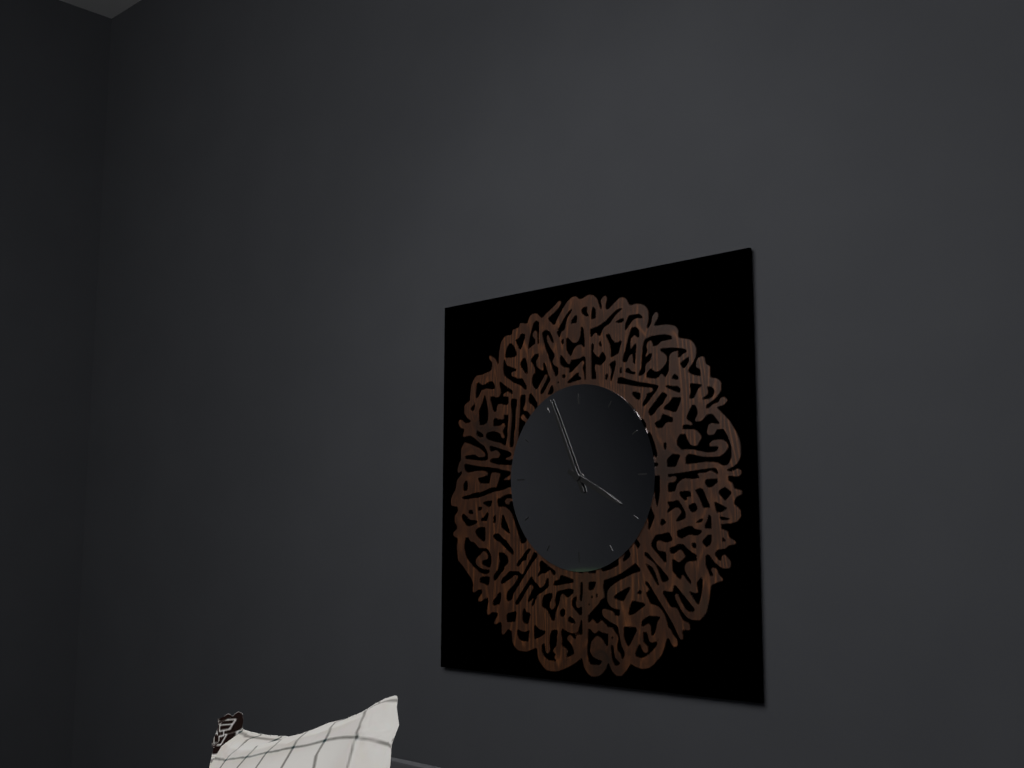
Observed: 3,56
